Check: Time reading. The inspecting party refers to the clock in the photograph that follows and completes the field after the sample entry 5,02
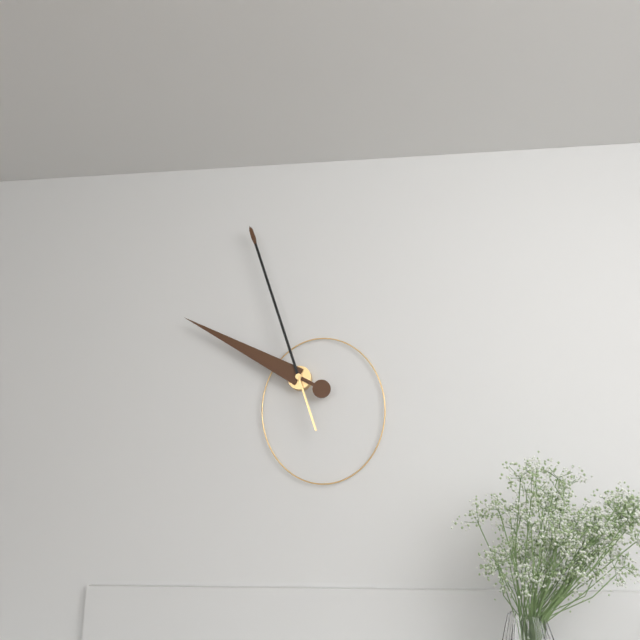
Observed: 9,57
